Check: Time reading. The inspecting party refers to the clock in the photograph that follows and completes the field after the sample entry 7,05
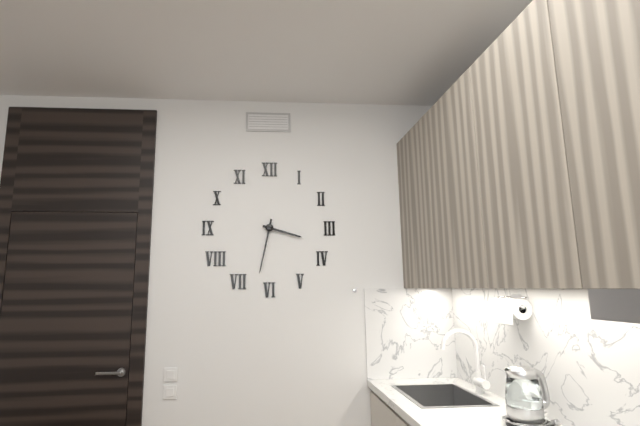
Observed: 3,32
